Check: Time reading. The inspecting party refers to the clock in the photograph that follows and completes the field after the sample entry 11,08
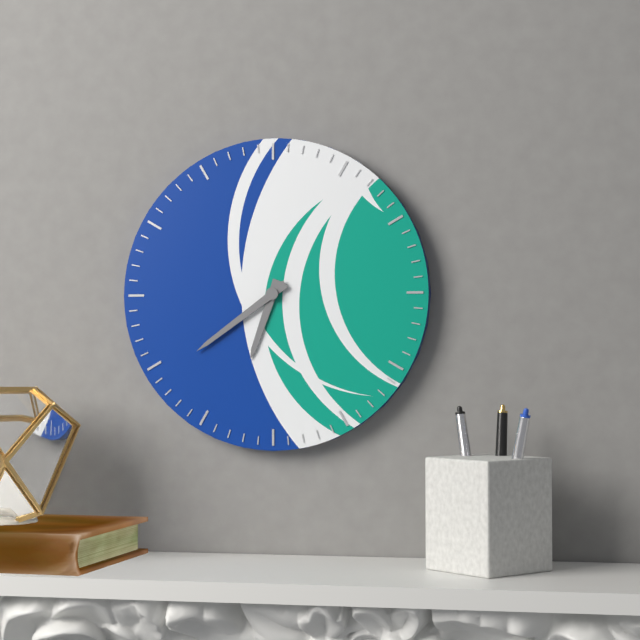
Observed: 6,39
